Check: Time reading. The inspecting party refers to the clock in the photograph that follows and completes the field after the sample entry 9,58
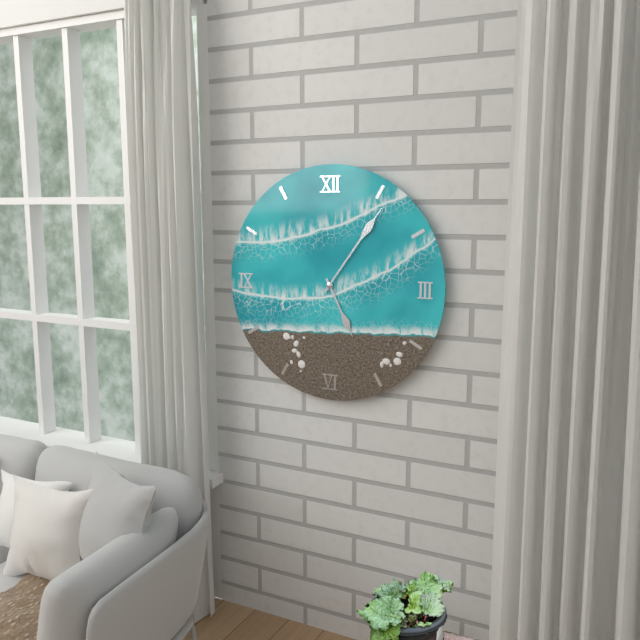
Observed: 5,06
